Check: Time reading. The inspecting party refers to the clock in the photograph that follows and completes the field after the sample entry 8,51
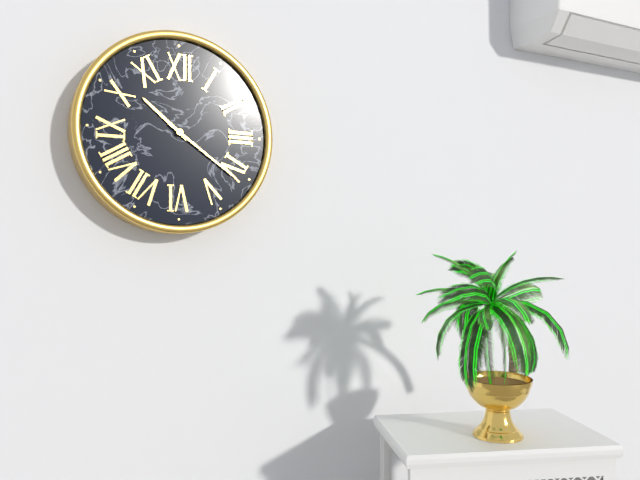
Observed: 10,21
